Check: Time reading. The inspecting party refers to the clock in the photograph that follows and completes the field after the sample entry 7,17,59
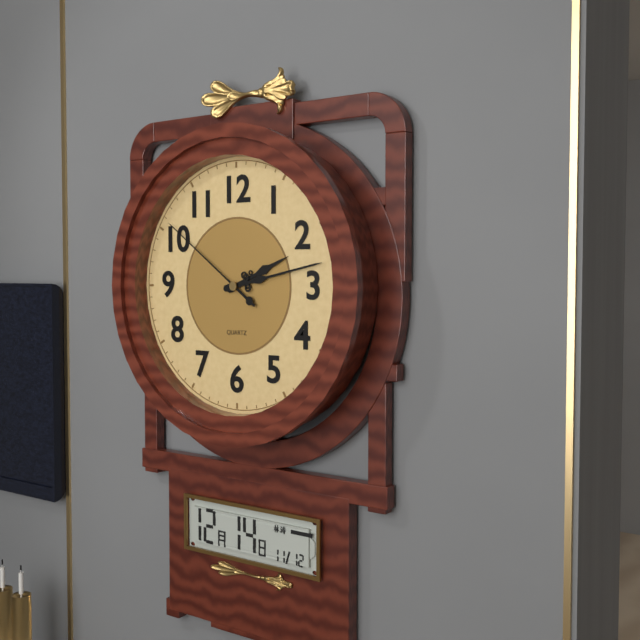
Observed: 2,13,51
